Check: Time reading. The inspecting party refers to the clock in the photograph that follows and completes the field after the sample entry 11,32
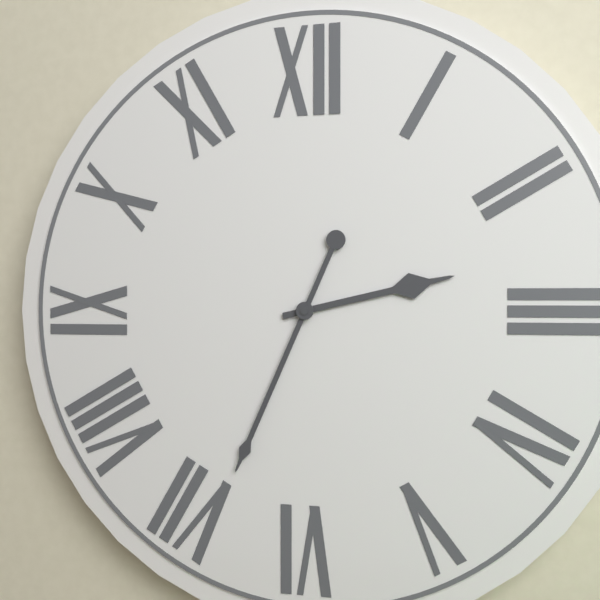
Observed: 2,34
